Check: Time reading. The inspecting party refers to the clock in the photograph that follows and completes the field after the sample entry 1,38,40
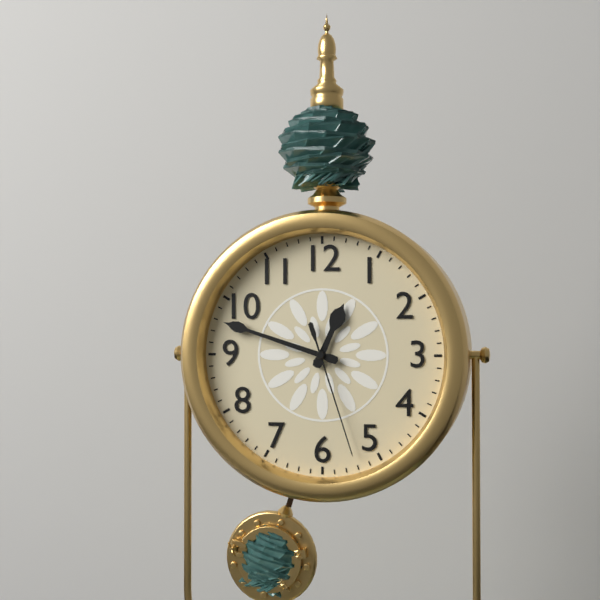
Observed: 12,48,27
